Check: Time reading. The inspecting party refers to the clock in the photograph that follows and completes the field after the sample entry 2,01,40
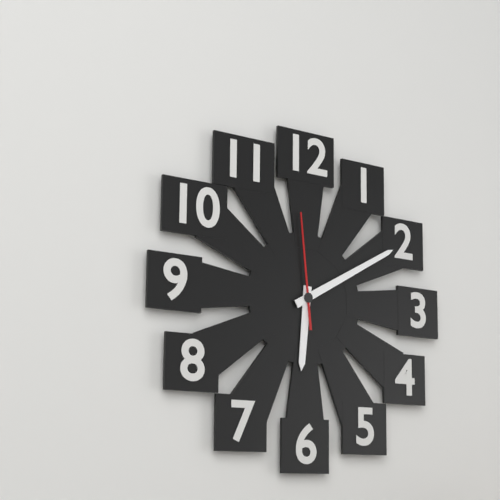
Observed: 6,10,59
